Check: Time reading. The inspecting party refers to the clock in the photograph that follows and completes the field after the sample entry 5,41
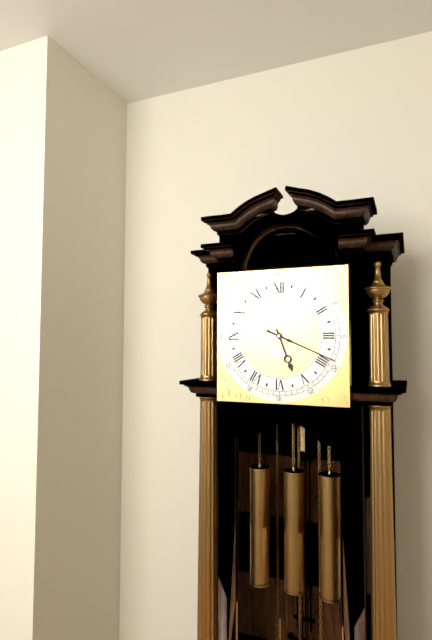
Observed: 5,19
